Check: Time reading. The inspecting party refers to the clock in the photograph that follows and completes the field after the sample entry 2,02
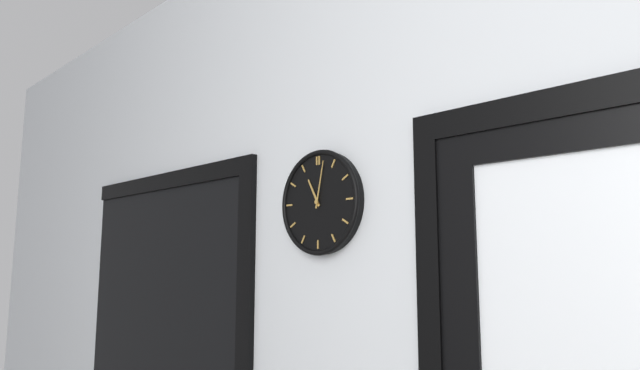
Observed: 11,02
